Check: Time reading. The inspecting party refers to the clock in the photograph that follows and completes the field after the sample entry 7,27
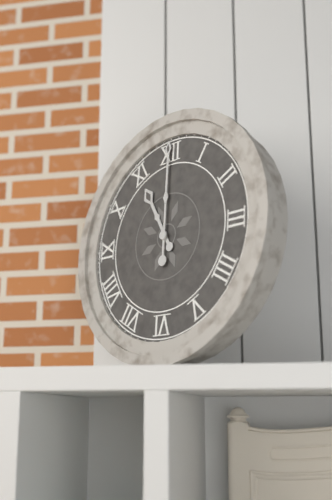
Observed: 11,00
